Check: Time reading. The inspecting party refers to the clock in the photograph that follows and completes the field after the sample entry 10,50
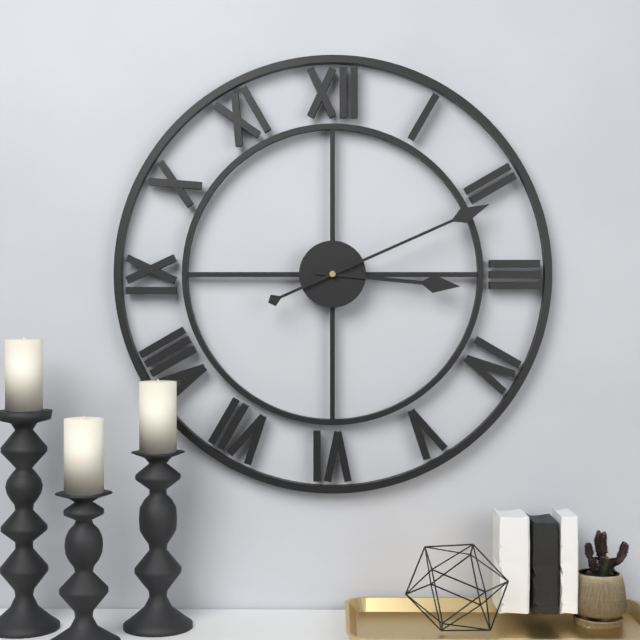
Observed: 3,11
